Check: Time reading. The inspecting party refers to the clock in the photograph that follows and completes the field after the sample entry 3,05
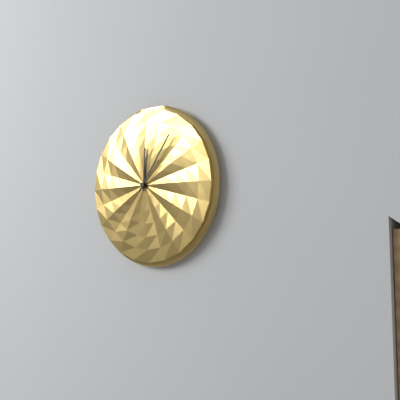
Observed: 12,06
